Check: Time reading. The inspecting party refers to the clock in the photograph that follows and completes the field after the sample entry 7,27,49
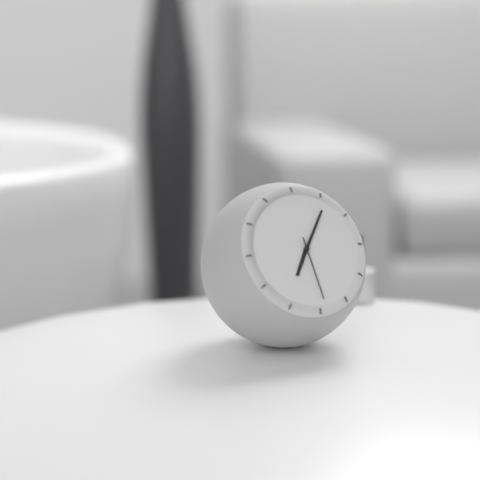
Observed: 7,06,29
